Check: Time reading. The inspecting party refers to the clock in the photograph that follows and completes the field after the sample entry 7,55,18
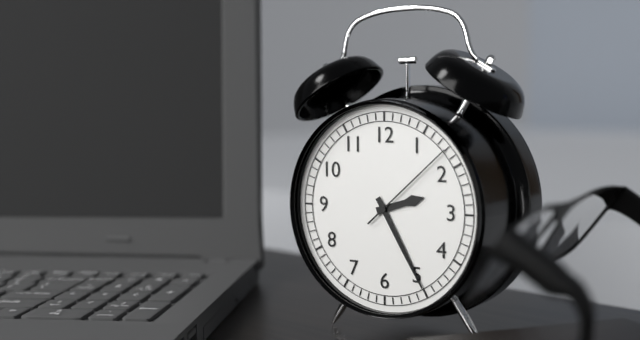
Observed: 2,25,08
